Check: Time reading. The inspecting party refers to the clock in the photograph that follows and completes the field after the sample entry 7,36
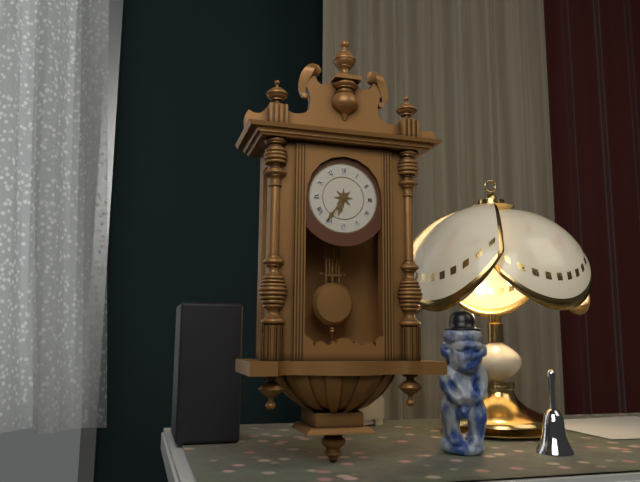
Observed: 6,36
